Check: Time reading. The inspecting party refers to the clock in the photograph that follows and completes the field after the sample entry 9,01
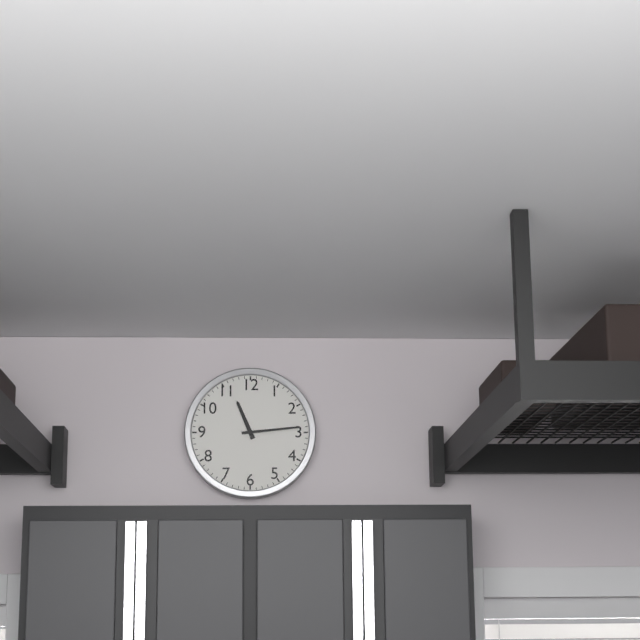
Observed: 11,14
